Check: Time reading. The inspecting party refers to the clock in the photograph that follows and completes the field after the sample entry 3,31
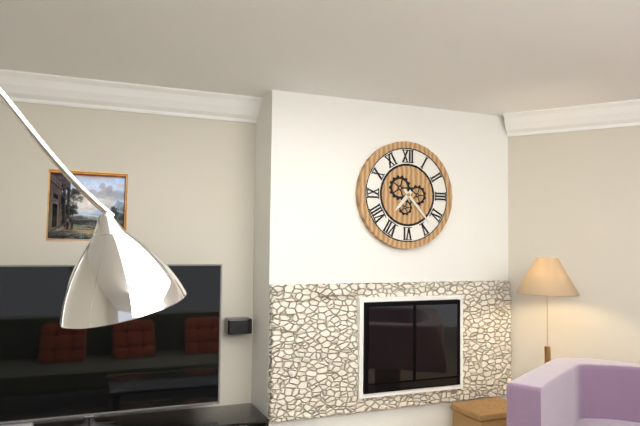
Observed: 7,23
